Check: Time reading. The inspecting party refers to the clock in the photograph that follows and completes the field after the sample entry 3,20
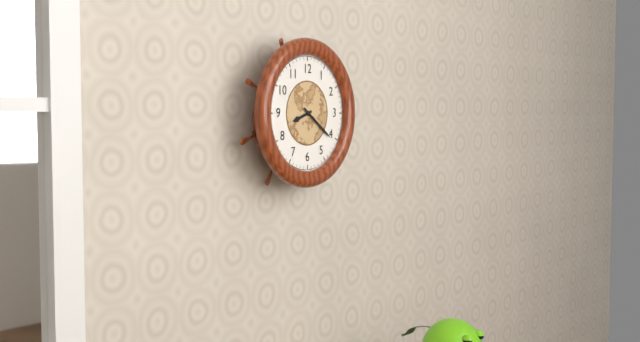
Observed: 8,21
